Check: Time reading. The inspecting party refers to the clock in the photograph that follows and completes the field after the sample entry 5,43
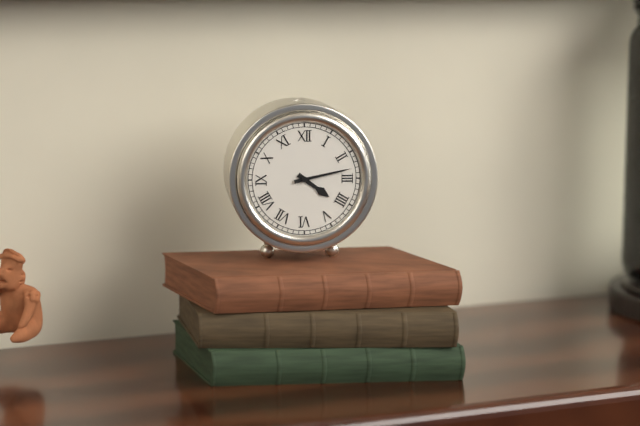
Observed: 4,13
